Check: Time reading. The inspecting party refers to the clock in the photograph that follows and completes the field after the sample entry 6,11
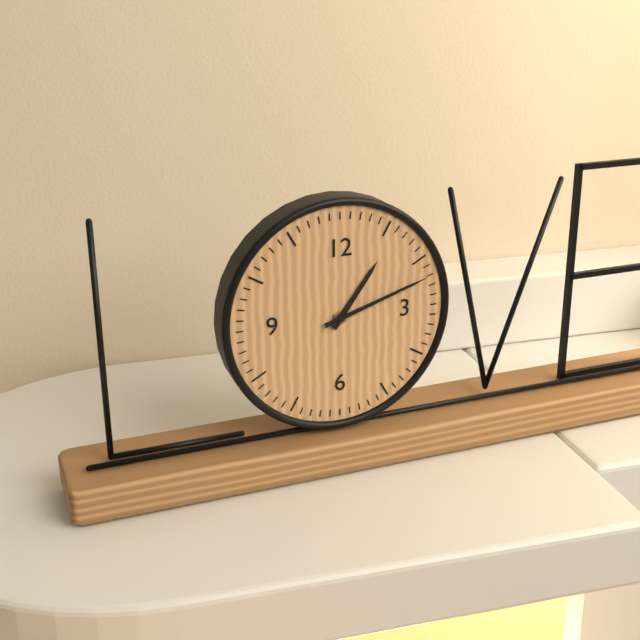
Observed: 1,12
